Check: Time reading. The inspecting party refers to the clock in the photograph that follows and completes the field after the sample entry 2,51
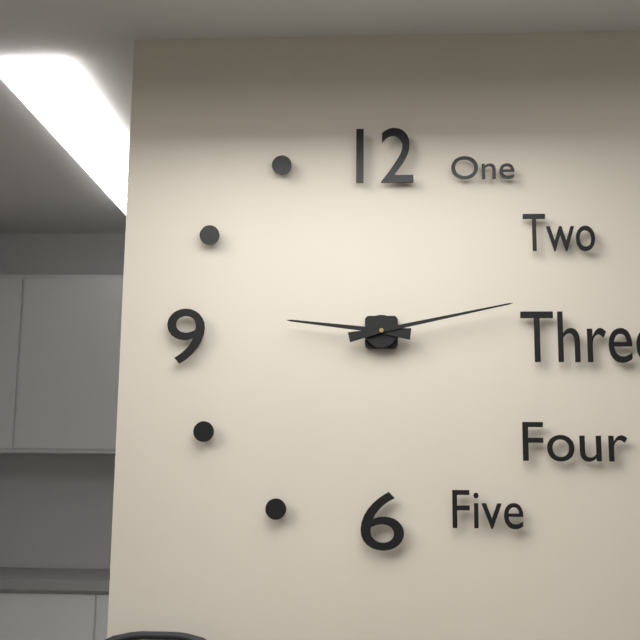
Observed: 9,13
